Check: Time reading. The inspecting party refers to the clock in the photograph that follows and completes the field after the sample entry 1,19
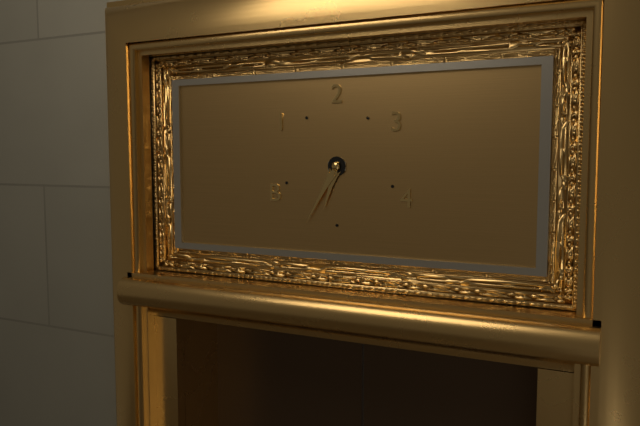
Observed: 6,35
